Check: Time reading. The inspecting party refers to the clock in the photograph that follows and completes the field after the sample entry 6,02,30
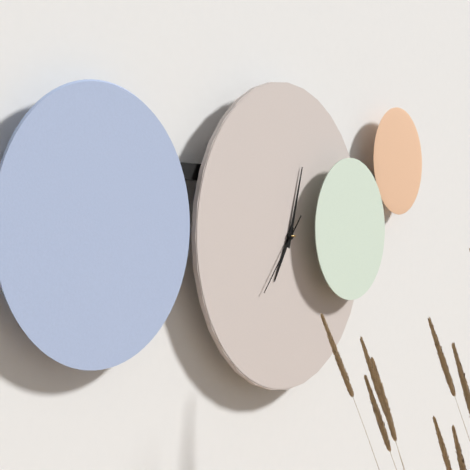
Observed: 7,03,37
